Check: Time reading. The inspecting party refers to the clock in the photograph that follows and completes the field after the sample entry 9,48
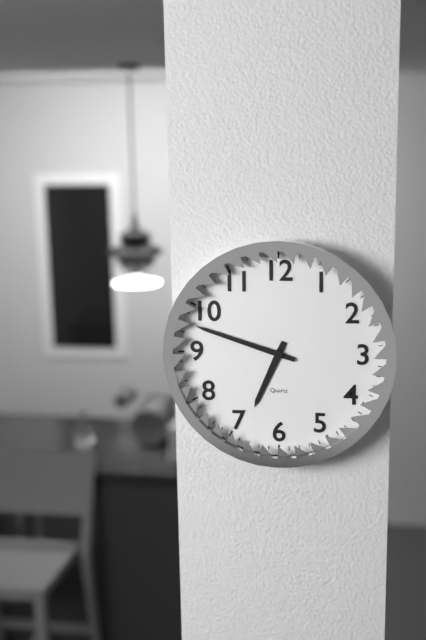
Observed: 6,48
